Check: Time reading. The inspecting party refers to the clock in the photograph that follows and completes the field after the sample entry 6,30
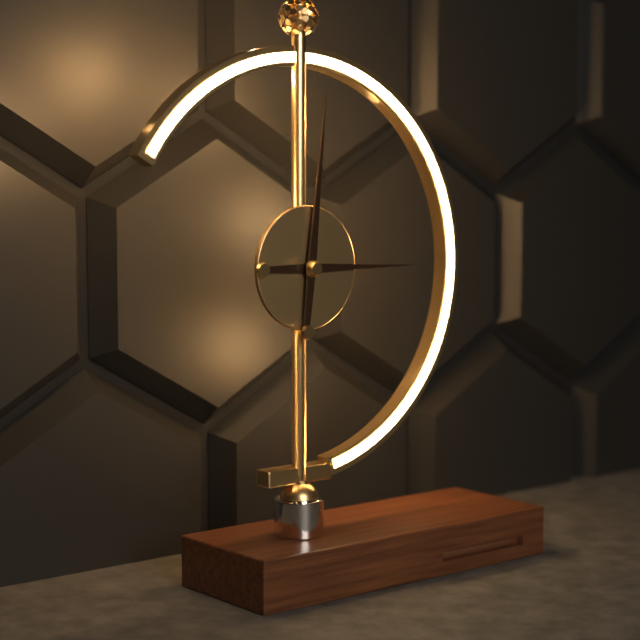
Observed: 3,01
